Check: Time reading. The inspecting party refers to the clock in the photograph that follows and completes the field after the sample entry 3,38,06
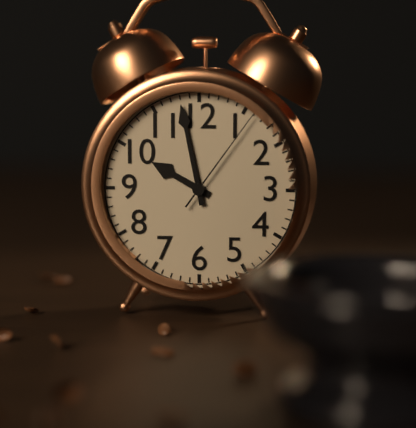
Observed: 9,58,06
